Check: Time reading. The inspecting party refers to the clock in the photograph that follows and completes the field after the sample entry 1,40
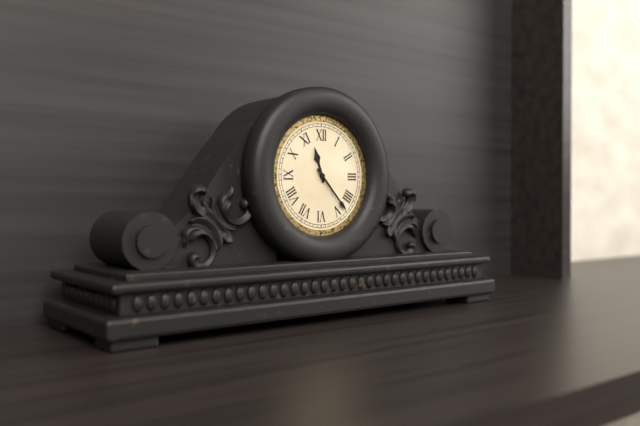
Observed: 11,23
